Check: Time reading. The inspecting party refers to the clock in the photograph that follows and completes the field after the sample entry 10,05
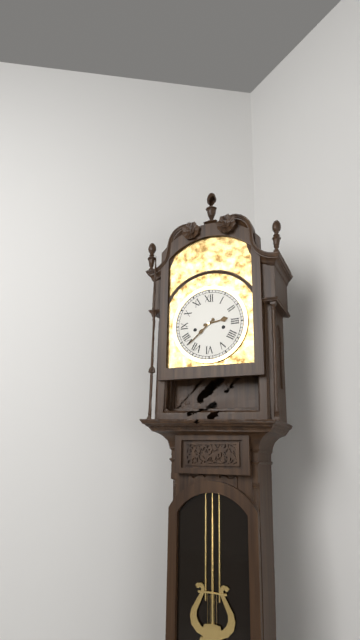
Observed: 2,38
